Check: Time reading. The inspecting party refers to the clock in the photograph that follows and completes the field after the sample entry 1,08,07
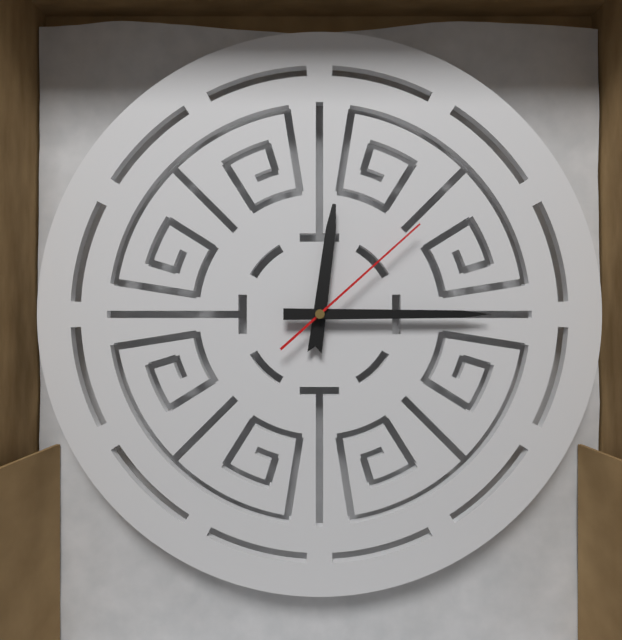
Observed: 12,15,08
